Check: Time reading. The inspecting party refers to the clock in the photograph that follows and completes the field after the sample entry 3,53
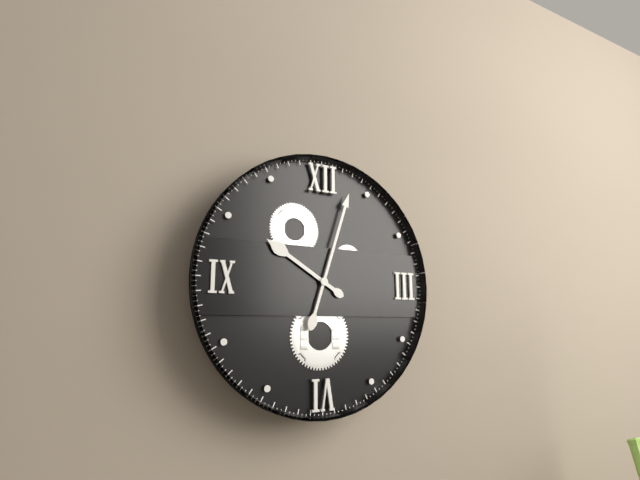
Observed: 10,03
